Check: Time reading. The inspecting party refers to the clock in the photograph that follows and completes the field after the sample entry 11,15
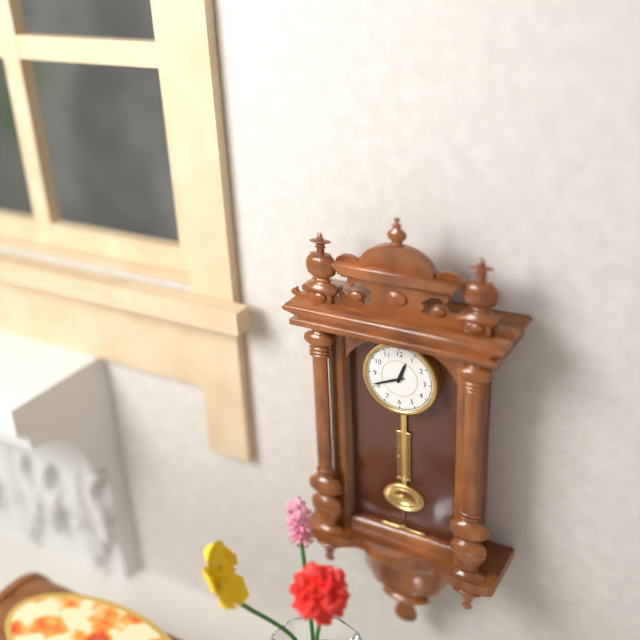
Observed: 12,41
